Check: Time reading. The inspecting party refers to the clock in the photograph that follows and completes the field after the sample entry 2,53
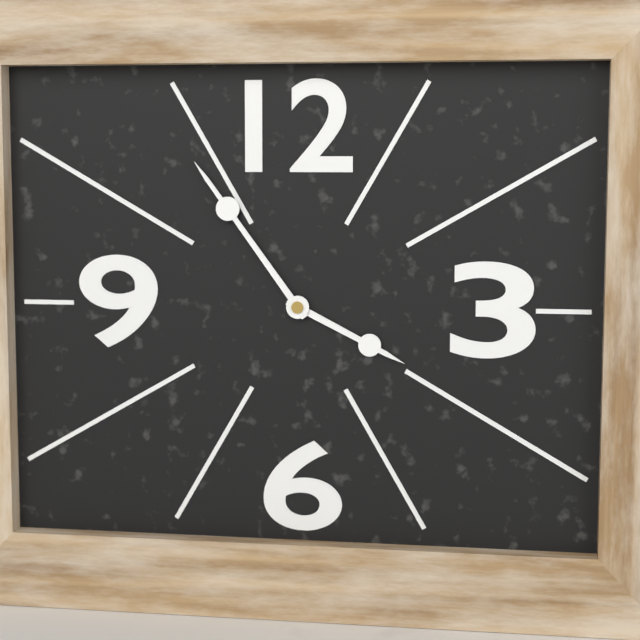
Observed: 3,54
